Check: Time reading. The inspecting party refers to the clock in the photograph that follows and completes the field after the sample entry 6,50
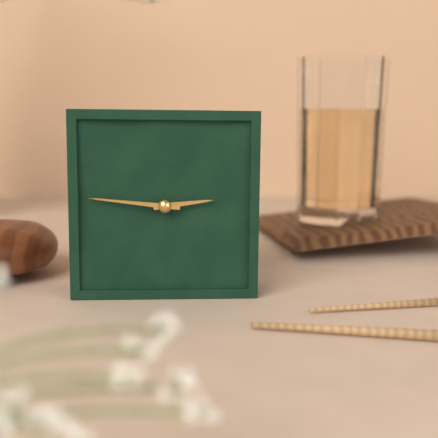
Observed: 2,46
